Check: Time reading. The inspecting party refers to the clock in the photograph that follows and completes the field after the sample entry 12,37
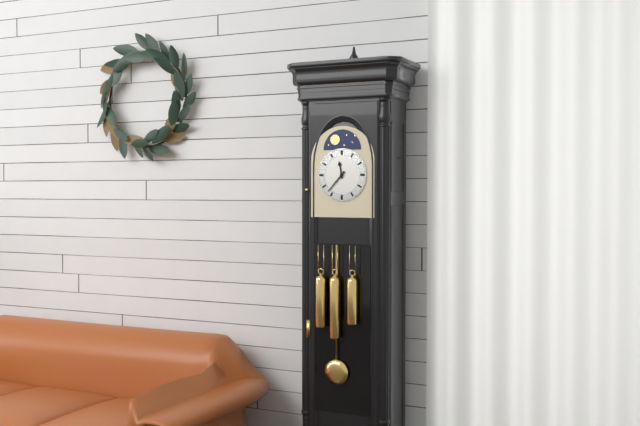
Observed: 11,37
